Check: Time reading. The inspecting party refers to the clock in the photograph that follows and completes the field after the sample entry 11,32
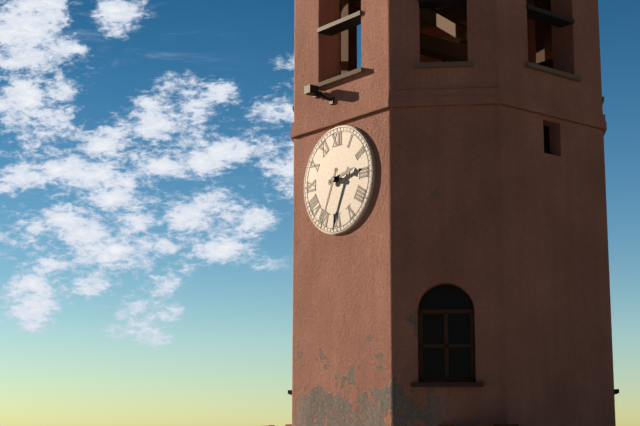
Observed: 2,34
